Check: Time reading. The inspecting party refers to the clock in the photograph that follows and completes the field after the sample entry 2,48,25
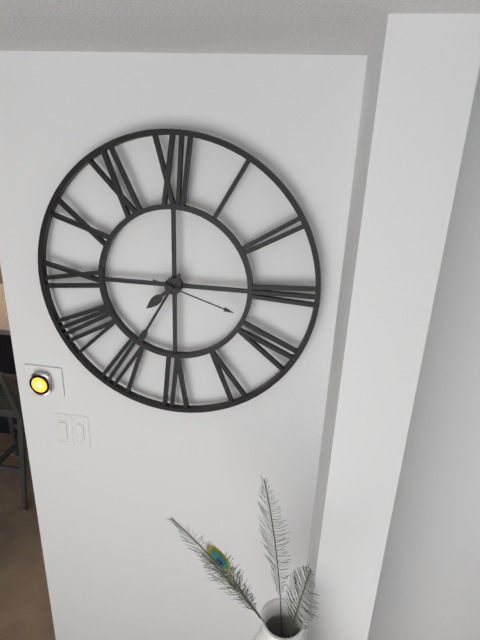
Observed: 7,35,18
